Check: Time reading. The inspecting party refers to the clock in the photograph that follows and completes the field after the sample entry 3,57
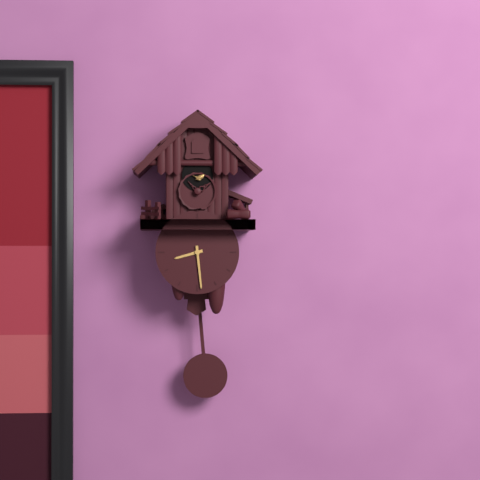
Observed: 8,29
